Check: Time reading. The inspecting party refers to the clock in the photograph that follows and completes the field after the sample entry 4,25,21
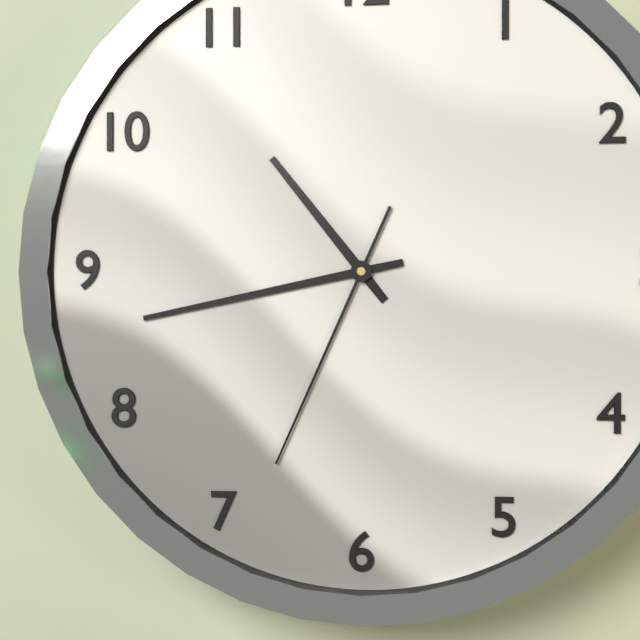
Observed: 10,43,34
